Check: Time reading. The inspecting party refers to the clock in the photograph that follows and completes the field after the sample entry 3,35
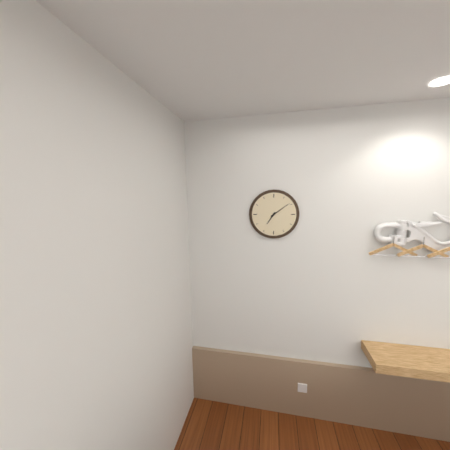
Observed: 7,09
